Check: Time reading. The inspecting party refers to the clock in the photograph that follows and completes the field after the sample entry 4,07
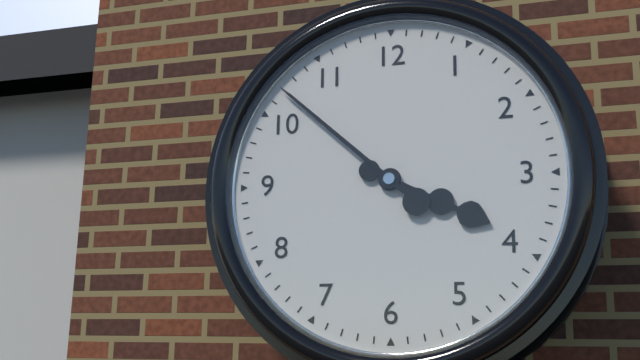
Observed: 3,52
